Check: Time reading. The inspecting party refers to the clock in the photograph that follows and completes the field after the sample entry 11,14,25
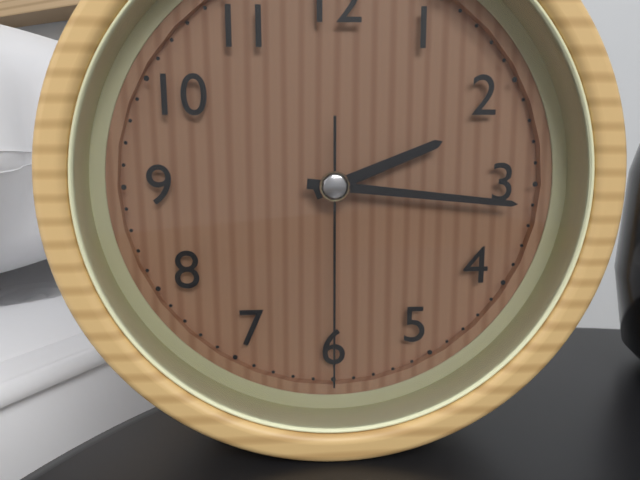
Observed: 2,16,30
